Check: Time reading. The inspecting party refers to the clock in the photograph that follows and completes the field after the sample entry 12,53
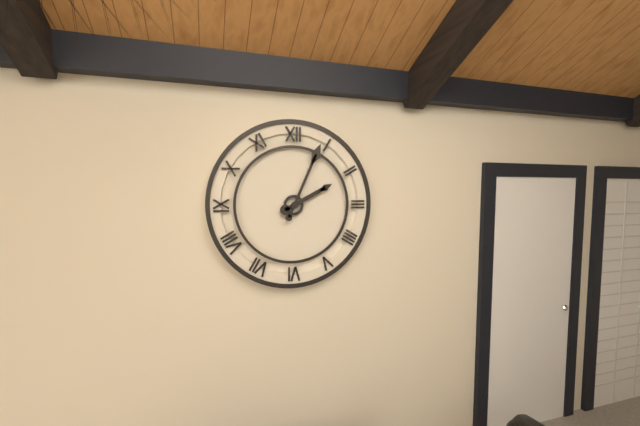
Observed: 2,04
